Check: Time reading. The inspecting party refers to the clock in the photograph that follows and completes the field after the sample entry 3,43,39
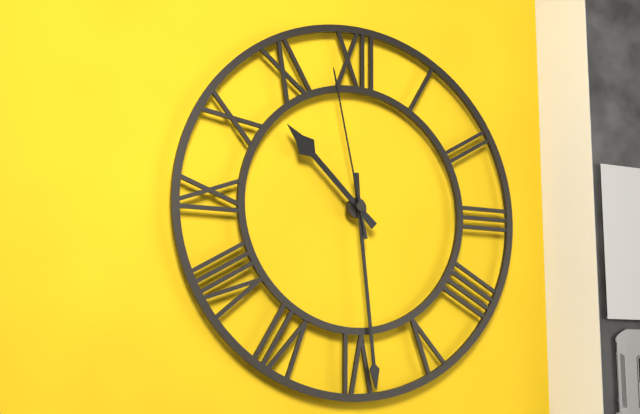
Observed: 10,29,58
